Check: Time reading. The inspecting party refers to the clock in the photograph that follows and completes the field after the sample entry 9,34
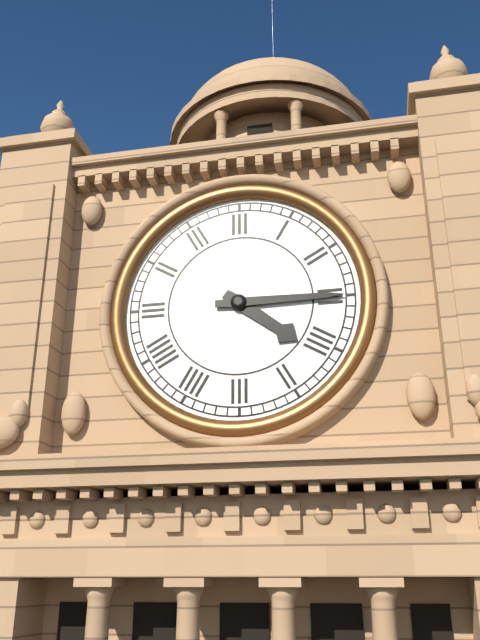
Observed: 4,15
